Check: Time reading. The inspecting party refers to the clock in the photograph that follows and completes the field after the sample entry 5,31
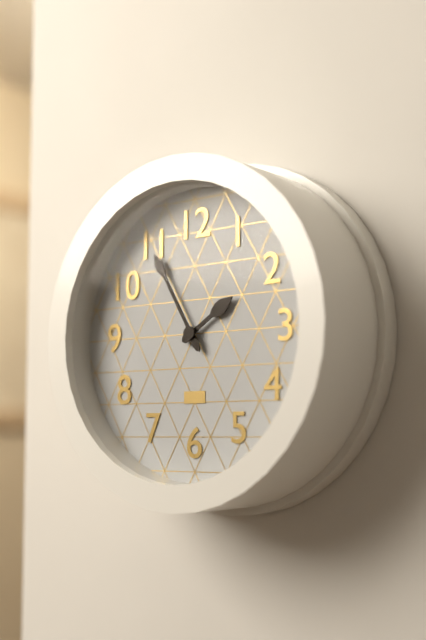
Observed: 1,55
